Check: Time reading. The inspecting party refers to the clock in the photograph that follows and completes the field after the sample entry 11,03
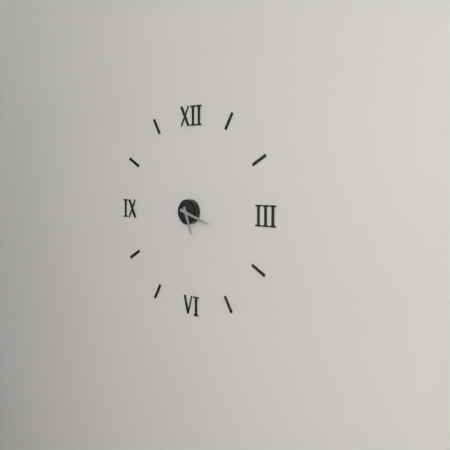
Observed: 5,18
